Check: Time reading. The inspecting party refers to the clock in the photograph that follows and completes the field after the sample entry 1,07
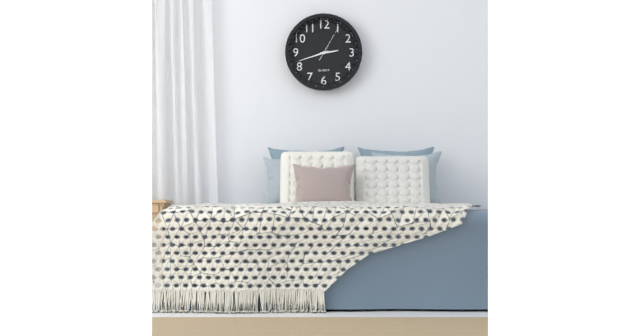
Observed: 2,42
